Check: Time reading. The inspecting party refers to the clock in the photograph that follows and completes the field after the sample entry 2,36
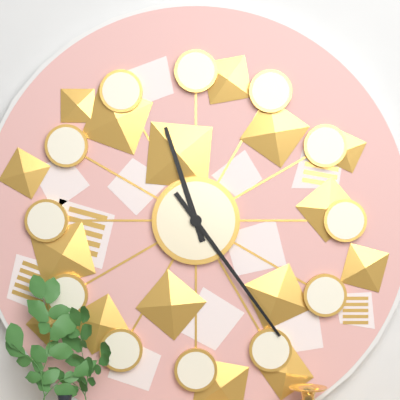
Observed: 11,24
